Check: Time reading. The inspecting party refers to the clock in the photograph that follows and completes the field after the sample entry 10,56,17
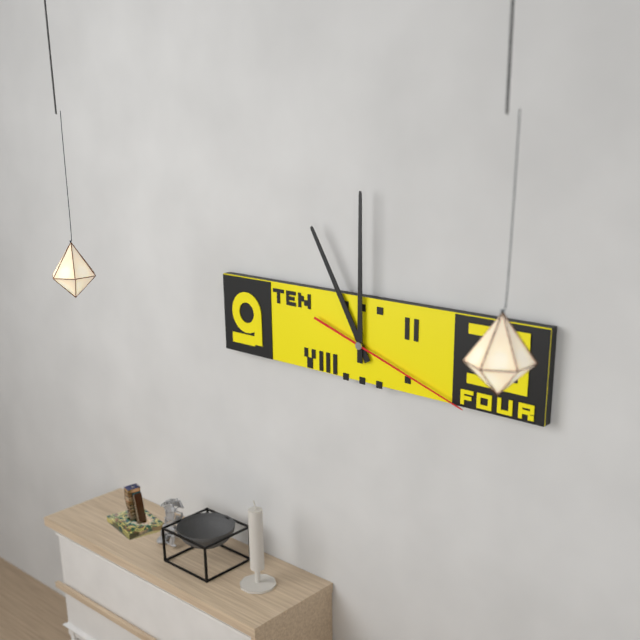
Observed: 11,00,18
